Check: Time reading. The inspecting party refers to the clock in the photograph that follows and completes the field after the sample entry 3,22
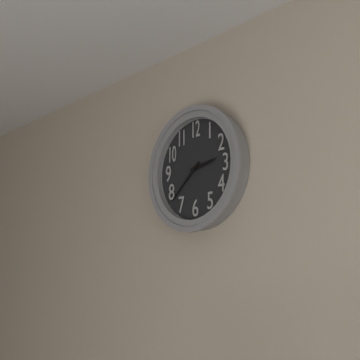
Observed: 2,38
